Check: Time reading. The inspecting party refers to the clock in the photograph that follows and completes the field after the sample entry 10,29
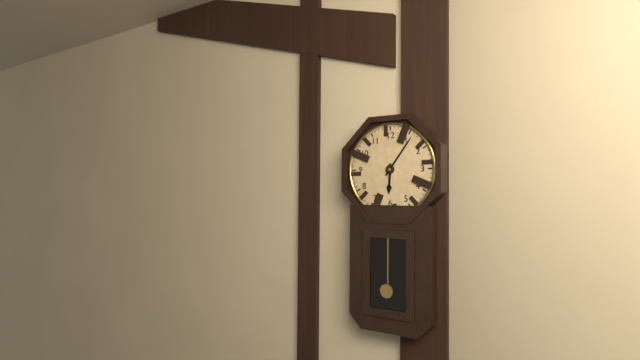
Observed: 6,06
